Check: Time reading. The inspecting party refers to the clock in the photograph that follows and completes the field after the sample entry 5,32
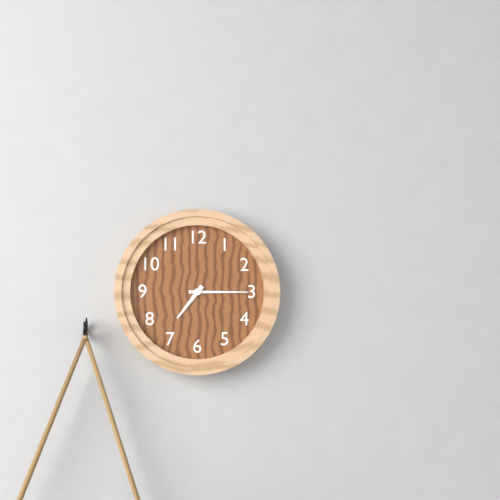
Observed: 7,15
